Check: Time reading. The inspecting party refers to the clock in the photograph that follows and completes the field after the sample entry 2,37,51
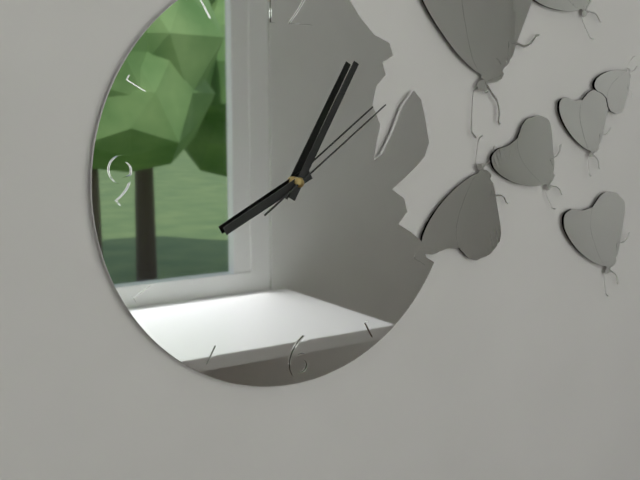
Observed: 8,05,09
